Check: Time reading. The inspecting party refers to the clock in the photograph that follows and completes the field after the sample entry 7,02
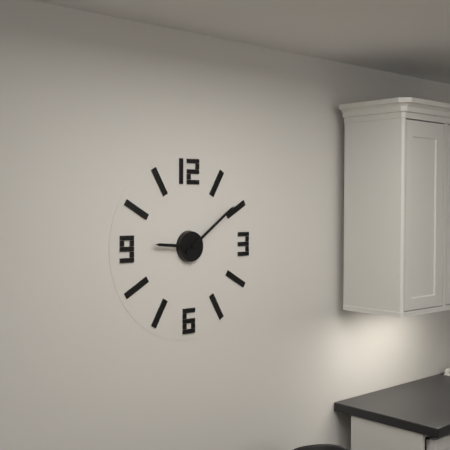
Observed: 9,09
